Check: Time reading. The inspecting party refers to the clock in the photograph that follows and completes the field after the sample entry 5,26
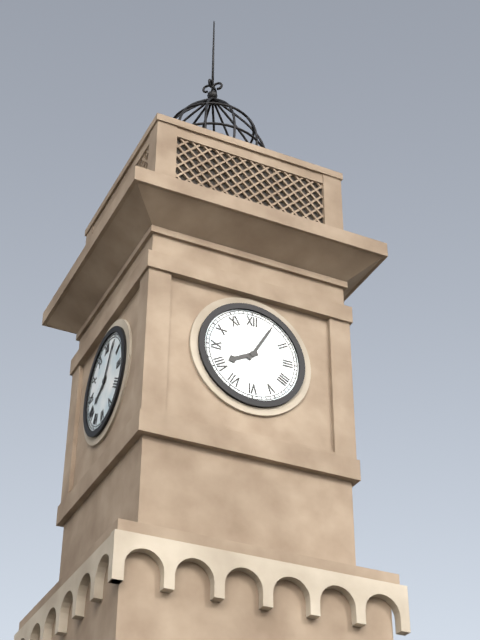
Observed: 8,05
